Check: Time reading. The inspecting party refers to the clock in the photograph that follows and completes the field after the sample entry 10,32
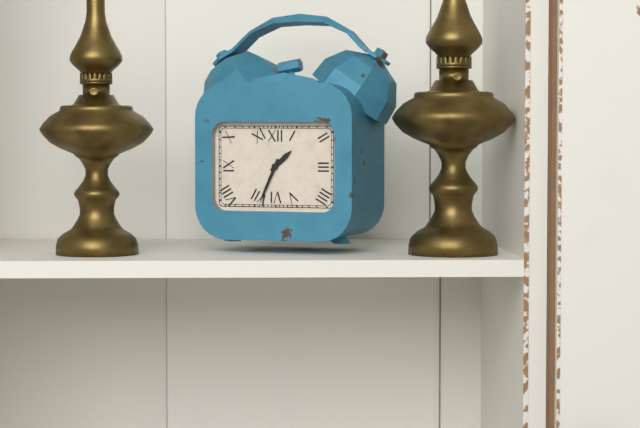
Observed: 1,34
